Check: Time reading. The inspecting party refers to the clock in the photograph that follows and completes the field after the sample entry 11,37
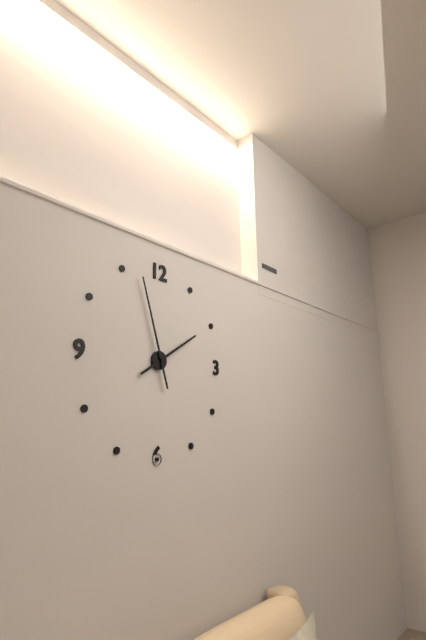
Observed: 1,57
